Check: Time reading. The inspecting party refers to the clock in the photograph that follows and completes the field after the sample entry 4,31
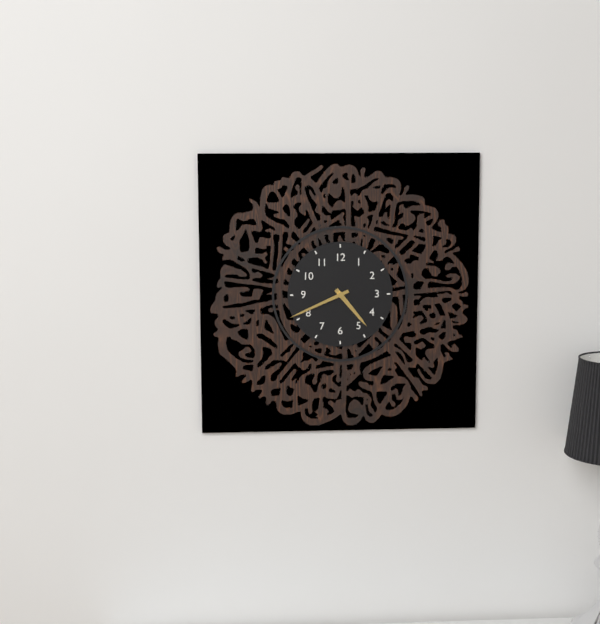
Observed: 4,41
